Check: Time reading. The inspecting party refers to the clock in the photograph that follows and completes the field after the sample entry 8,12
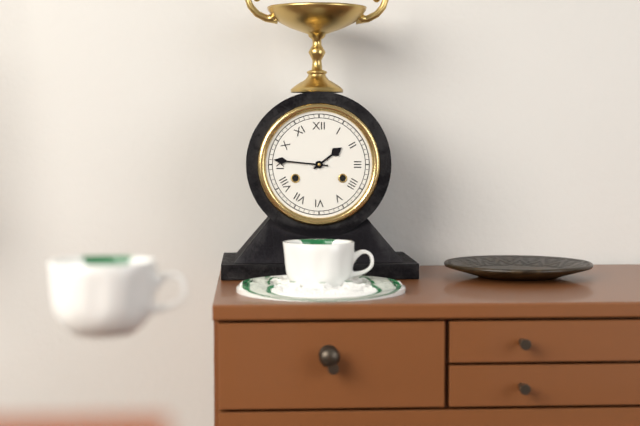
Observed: 1,46
